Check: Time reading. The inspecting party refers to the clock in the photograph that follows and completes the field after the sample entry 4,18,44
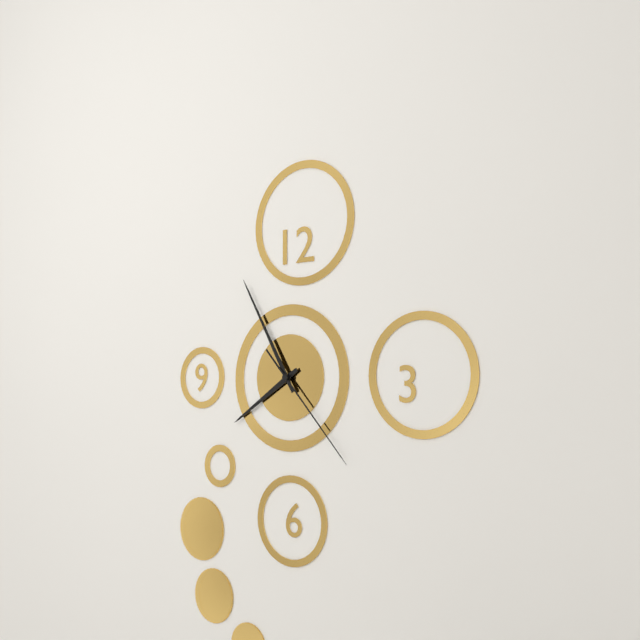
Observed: 7,55,23
